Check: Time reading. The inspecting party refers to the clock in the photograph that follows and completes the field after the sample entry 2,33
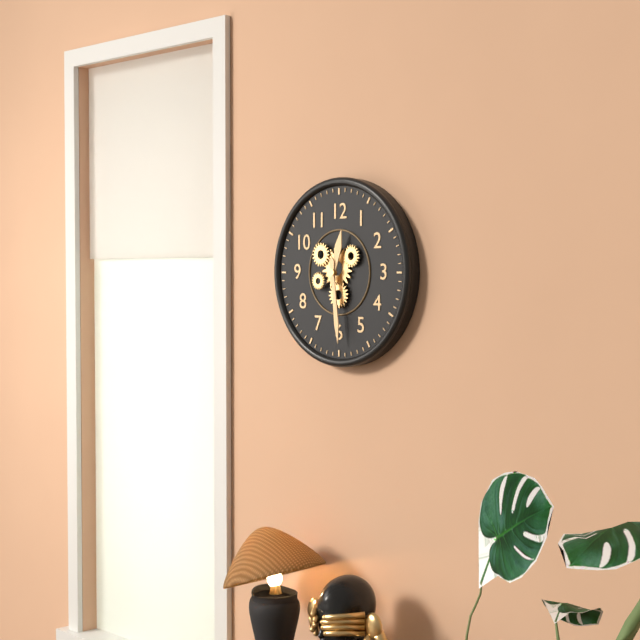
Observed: 12,29
